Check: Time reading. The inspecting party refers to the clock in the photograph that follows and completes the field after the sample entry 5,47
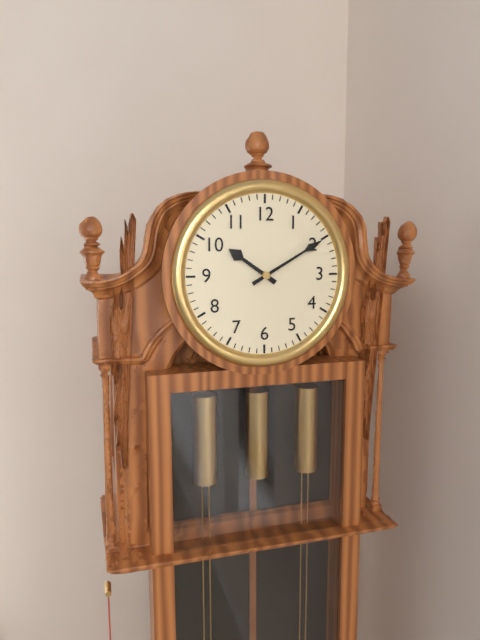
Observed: 10,10
